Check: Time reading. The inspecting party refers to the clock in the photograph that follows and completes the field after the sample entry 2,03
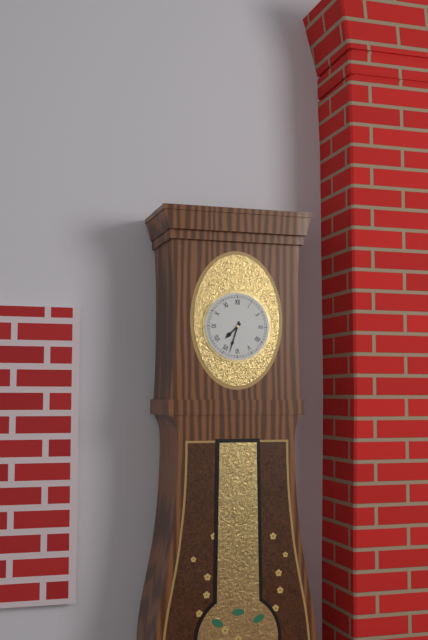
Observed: 7,33
